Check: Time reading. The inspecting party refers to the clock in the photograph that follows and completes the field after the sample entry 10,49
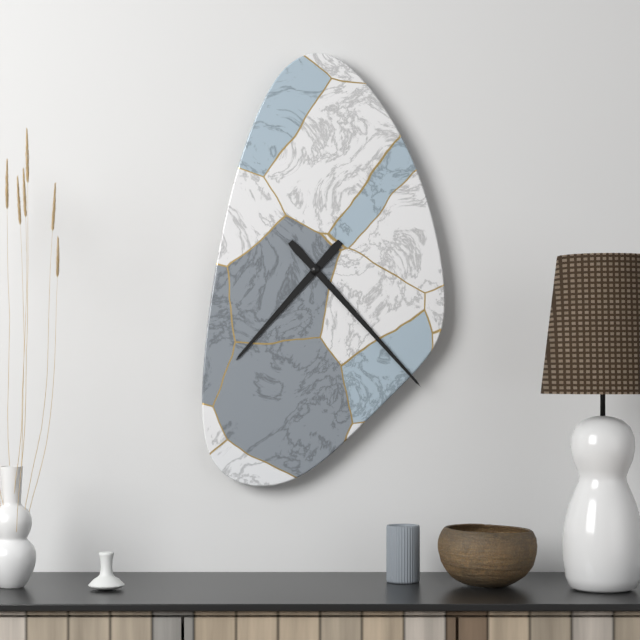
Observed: 7,23
